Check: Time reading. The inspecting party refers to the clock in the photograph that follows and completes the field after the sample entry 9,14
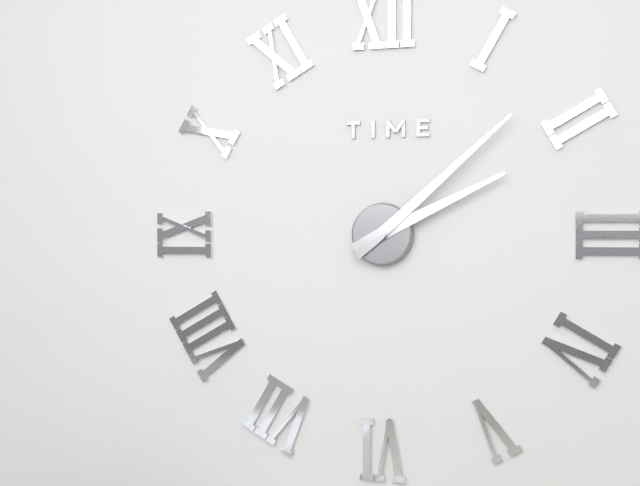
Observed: 2,08
